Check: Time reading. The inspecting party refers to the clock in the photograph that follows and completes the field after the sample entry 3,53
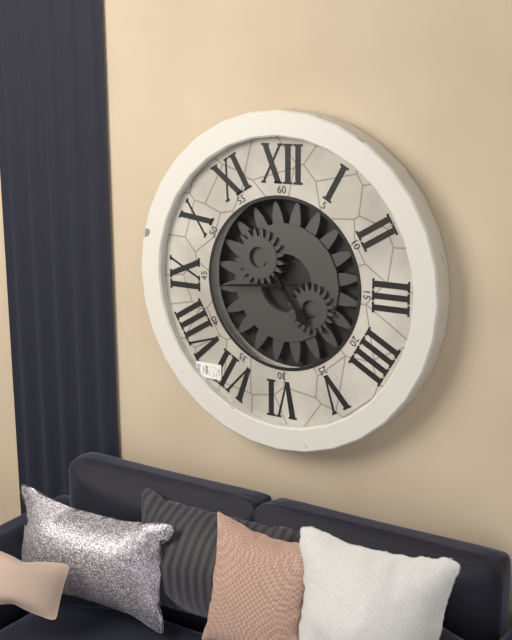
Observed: 4,44
